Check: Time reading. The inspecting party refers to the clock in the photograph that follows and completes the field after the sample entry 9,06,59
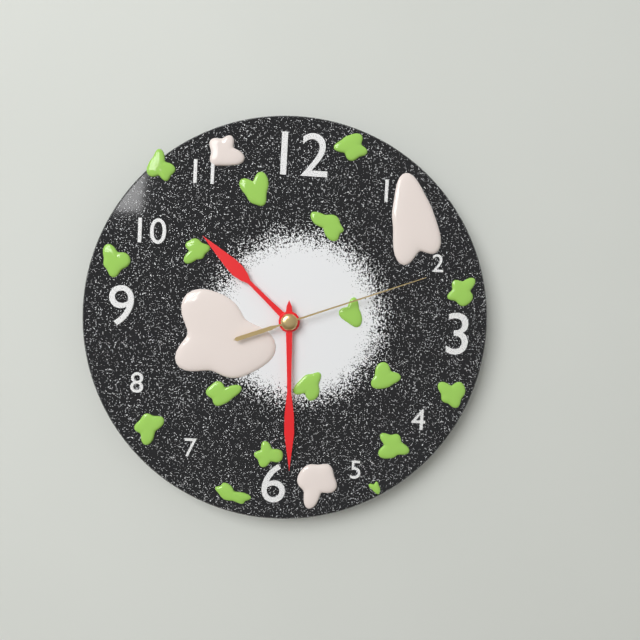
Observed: 10,30,12
